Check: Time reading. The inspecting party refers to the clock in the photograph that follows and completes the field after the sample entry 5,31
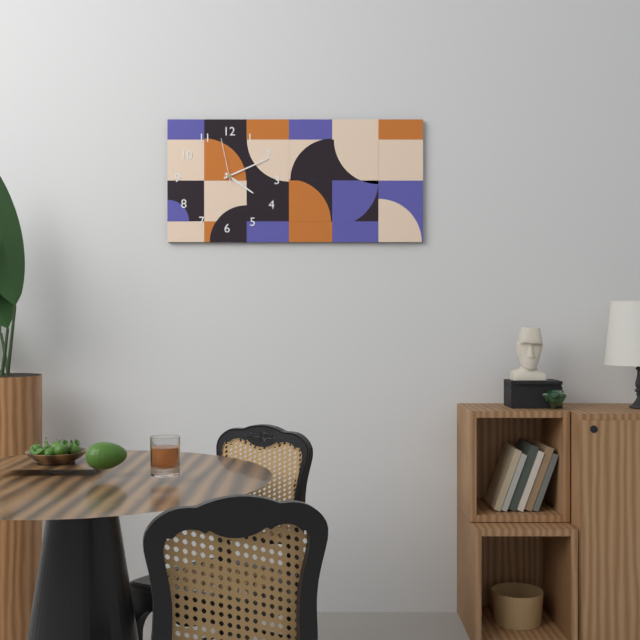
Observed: 4,11
